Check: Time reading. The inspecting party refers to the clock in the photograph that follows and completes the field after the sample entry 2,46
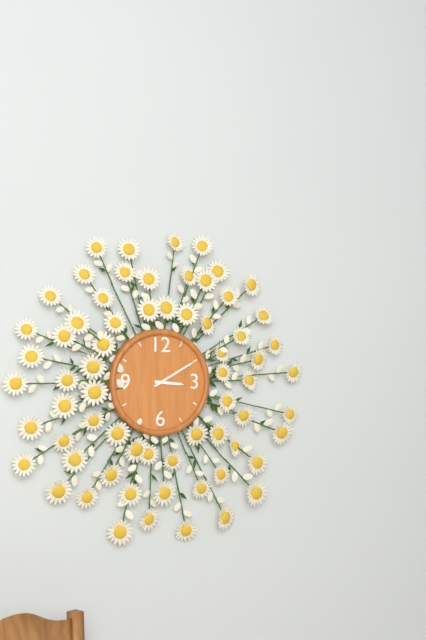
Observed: 3,10
